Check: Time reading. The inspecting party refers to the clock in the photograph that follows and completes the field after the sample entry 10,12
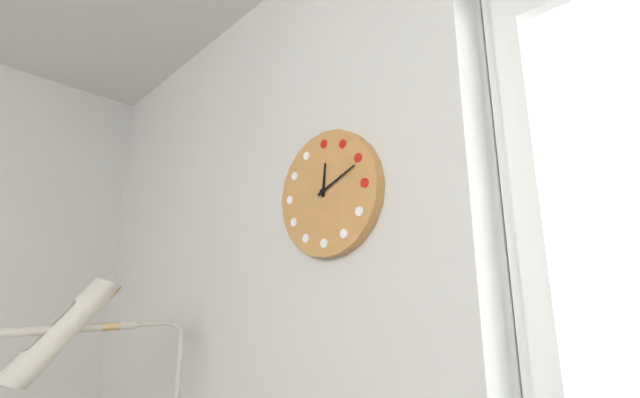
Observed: 12,11
